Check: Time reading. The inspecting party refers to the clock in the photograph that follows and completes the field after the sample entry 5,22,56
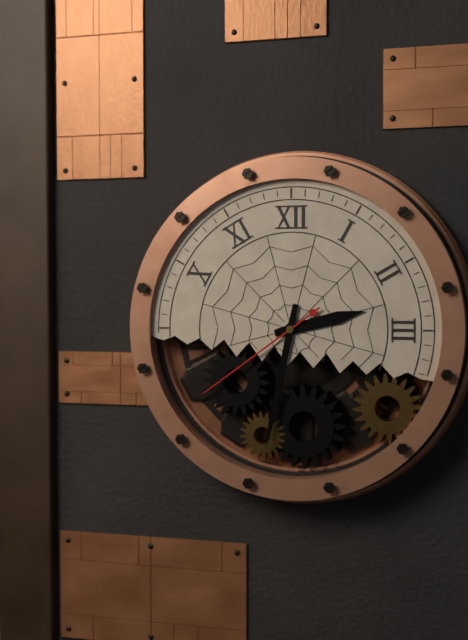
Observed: 2,32,39
